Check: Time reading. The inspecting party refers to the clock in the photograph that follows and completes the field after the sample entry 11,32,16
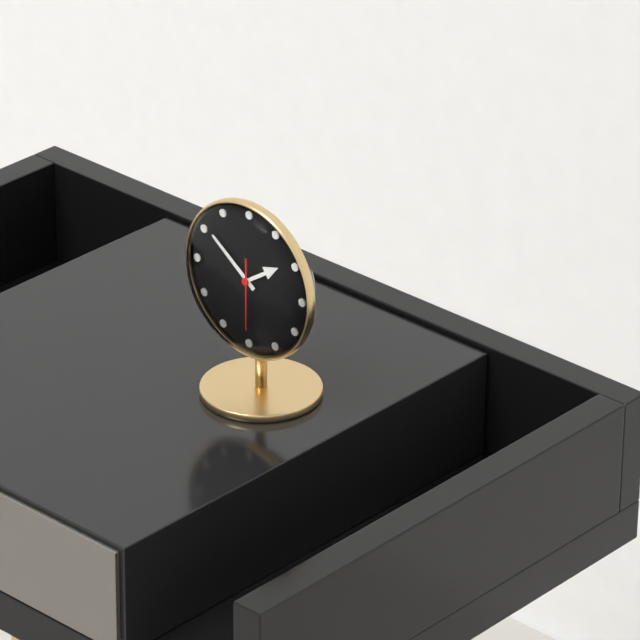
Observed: 1,51,30
